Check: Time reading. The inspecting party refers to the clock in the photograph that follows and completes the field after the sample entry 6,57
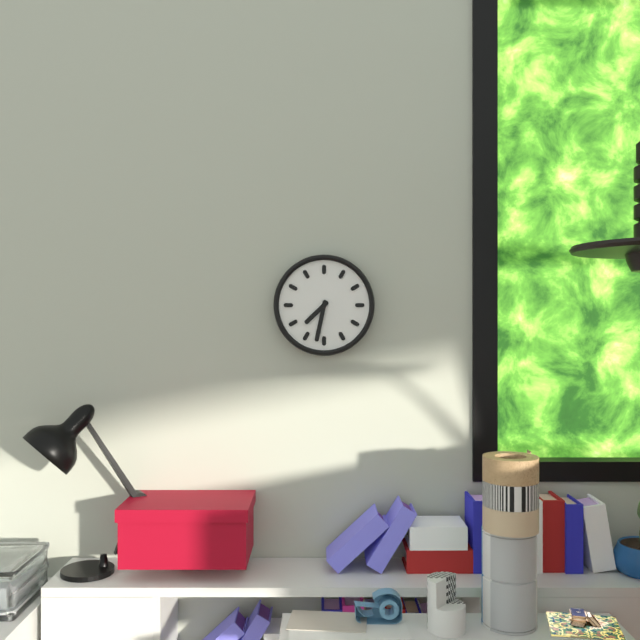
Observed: 7,32
